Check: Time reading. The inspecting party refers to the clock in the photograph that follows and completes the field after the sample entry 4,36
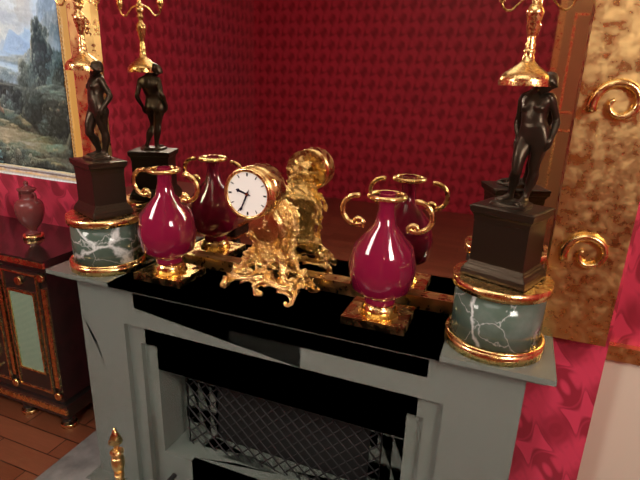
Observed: 9,34
